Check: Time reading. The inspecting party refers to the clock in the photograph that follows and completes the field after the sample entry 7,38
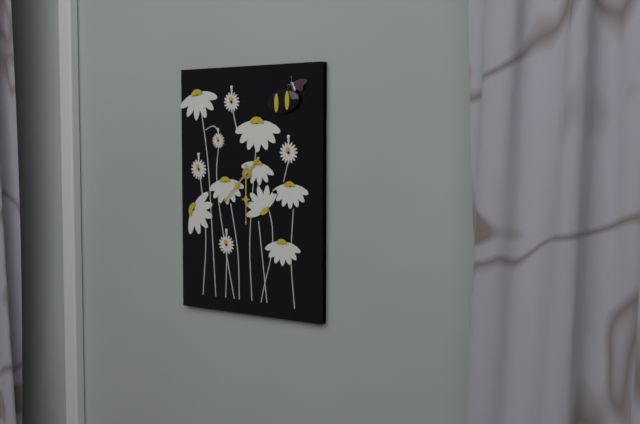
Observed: 7,30
